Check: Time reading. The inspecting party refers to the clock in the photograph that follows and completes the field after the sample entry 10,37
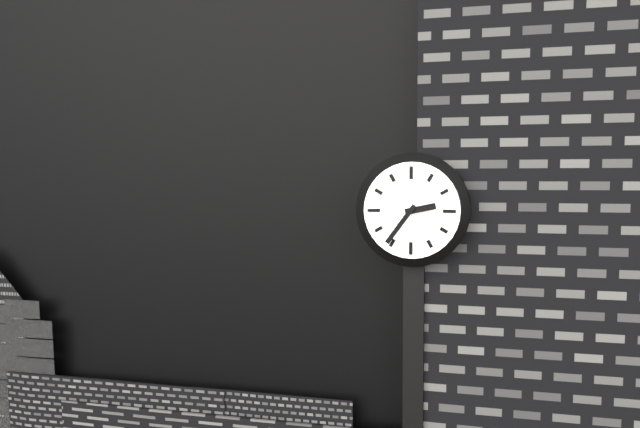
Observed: 2,36
